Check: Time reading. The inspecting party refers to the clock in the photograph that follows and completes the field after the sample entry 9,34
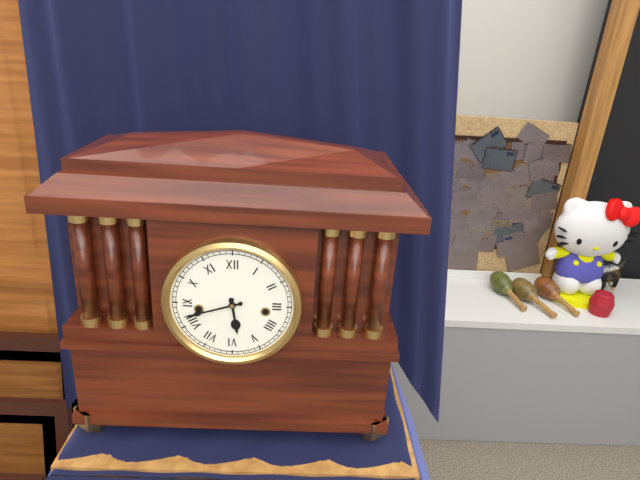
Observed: 5,42
